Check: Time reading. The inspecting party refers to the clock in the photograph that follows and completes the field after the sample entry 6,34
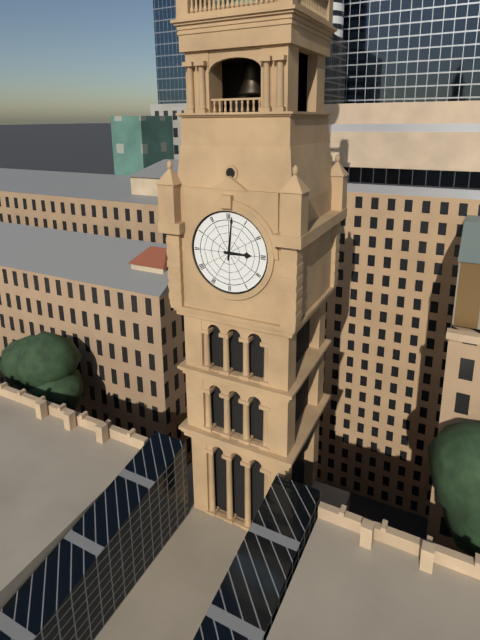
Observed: 3,01
